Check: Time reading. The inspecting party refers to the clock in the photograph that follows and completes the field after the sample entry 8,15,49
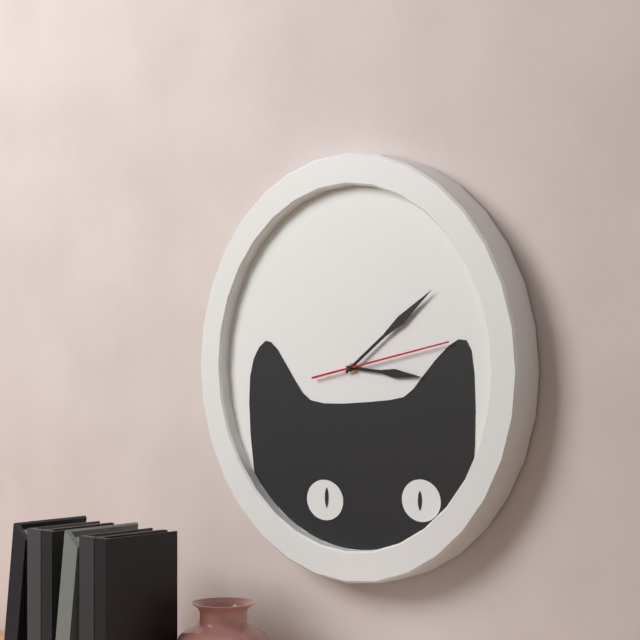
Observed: 3,09,13
